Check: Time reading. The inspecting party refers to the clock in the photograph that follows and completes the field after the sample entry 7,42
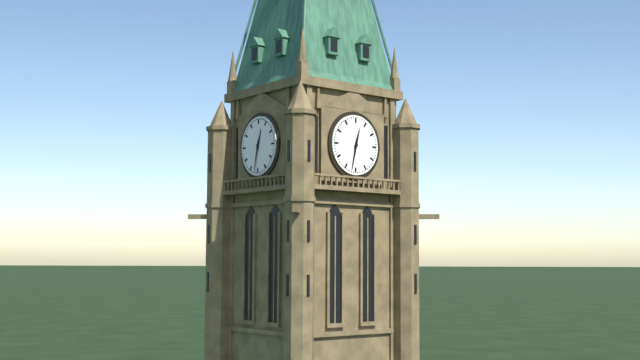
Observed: 12,32
